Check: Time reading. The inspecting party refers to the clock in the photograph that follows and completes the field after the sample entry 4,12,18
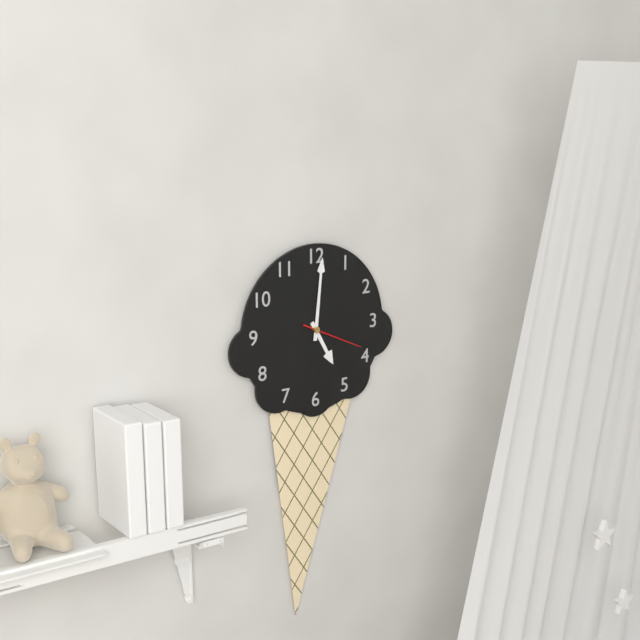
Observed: 5,01,19
